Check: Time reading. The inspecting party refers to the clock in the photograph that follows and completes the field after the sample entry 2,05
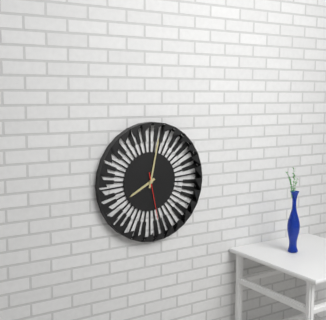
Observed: 8,02
